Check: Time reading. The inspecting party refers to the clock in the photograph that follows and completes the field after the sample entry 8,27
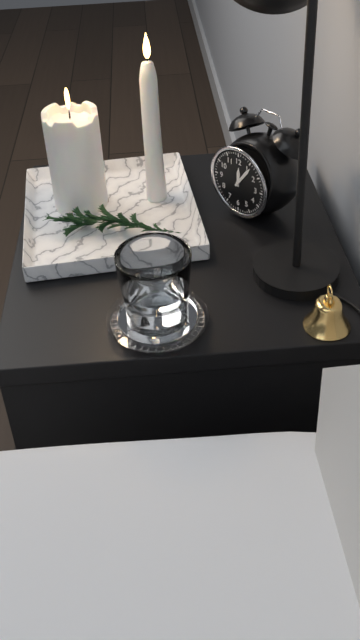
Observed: 12,06
